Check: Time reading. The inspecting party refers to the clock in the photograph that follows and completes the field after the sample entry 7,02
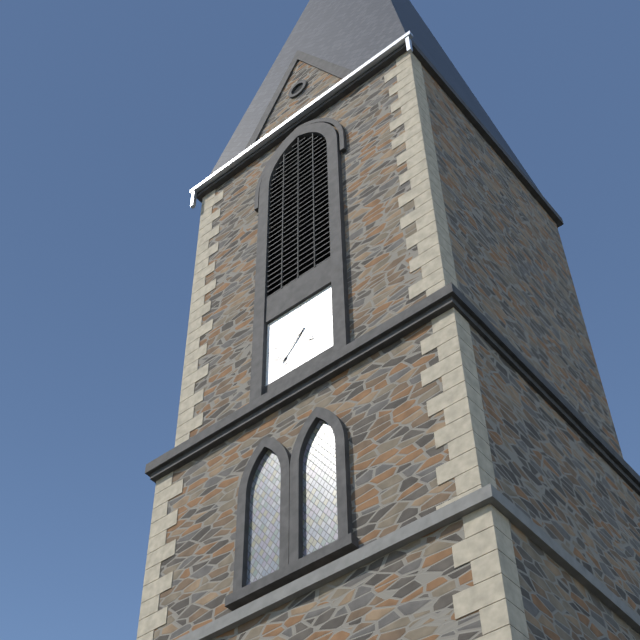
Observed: 4,37
